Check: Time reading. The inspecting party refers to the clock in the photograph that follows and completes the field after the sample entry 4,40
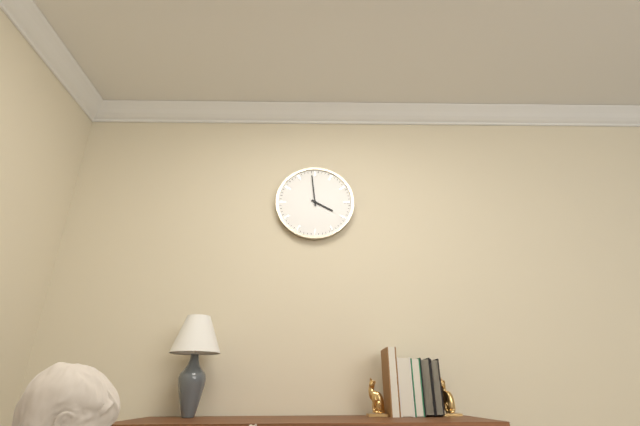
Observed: 3,59
